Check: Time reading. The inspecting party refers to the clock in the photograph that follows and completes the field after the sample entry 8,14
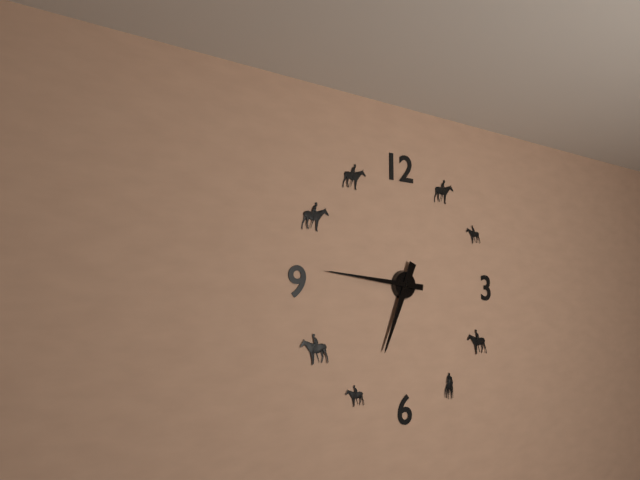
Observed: 6,46
